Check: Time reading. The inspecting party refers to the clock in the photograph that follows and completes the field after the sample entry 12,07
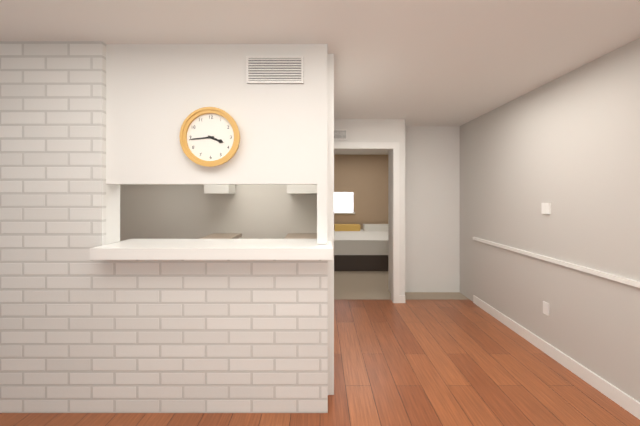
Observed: 3,44
